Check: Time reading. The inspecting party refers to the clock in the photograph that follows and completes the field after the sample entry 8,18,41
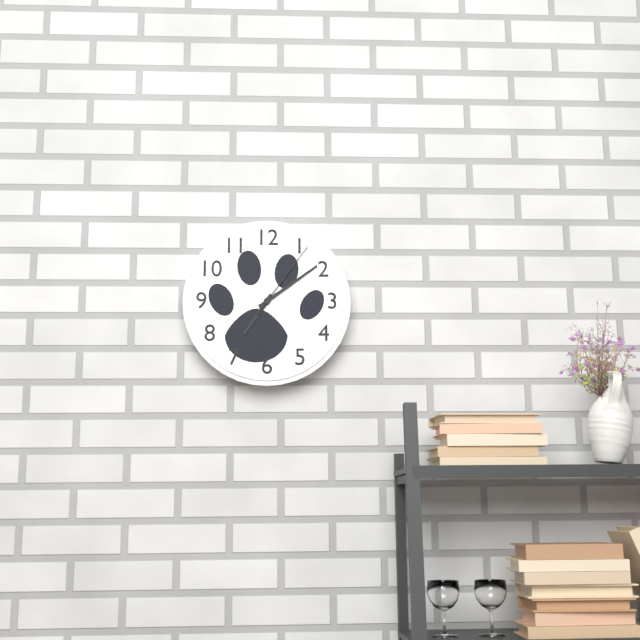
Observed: 7,09,06
